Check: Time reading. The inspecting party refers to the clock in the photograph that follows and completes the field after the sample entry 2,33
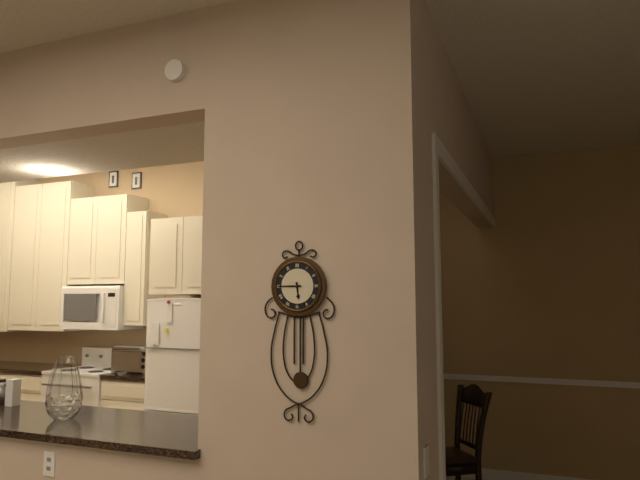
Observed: 5,45
